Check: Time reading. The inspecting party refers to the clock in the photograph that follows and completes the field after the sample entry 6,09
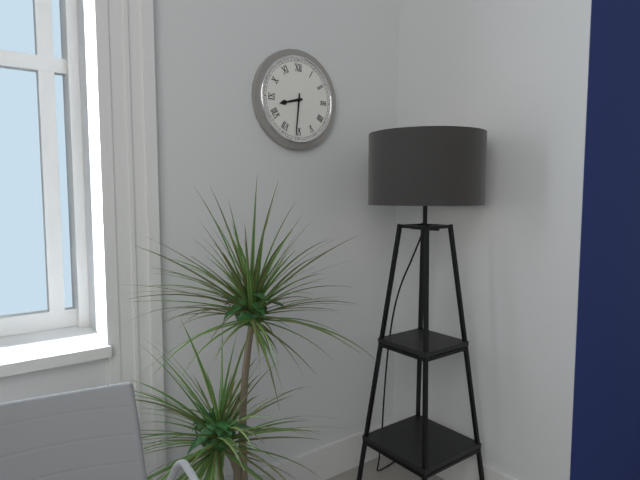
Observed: 8,31
